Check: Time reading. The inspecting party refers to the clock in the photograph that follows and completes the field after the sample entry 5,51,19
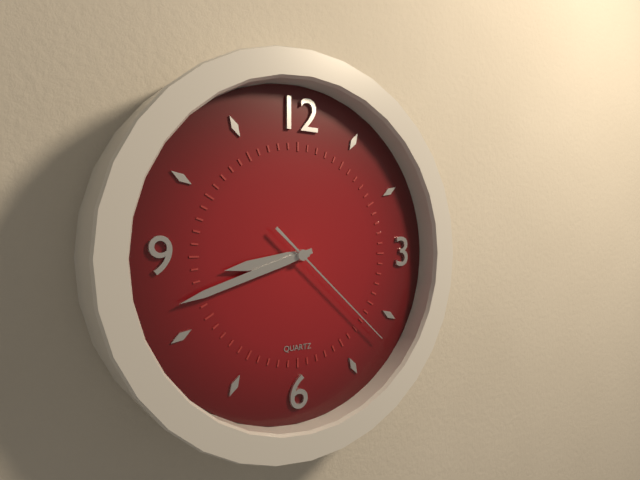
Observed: 8,42,22
